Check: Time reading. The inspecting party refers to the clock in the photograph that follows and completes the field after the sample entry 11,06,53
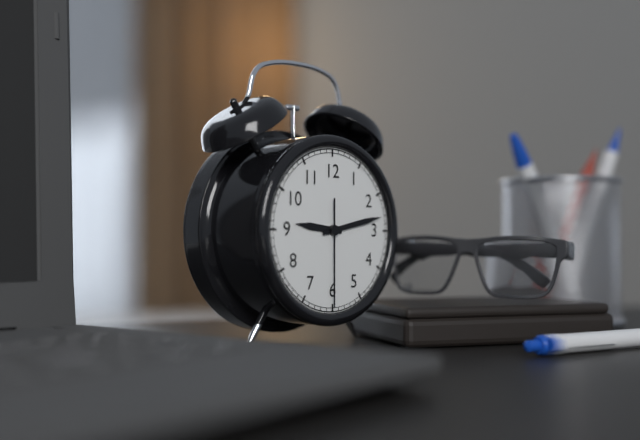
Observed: 9,13,30
